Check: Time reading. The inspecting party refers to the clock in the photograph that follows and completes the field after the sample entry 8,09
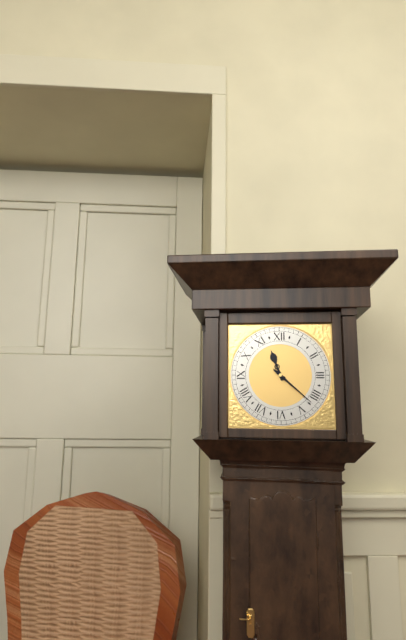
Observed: 11,22
